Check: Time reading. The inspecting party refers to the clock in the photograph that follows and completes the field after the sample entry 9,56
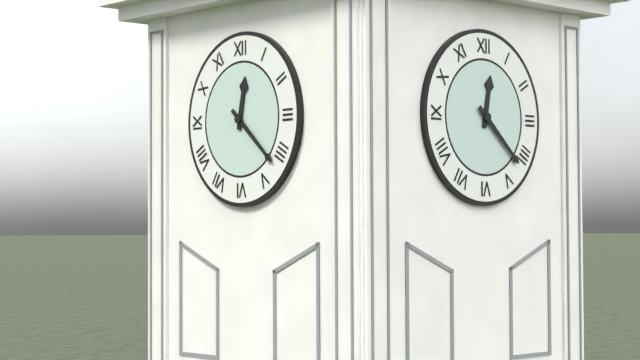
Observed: 12,22
